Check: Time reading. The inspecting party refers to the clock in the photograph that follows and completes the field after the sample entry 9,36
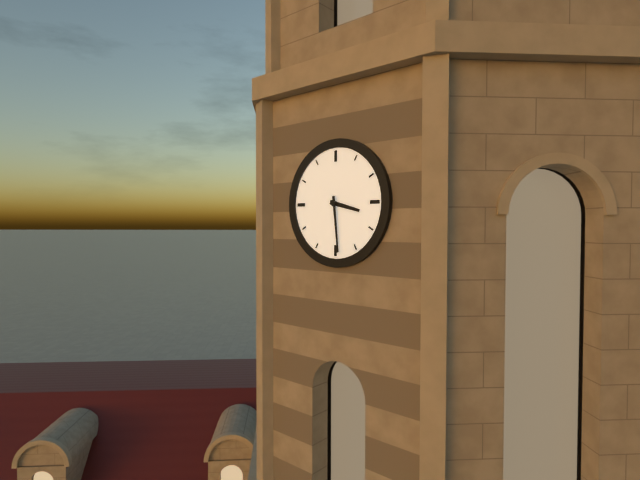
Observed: 3,29
